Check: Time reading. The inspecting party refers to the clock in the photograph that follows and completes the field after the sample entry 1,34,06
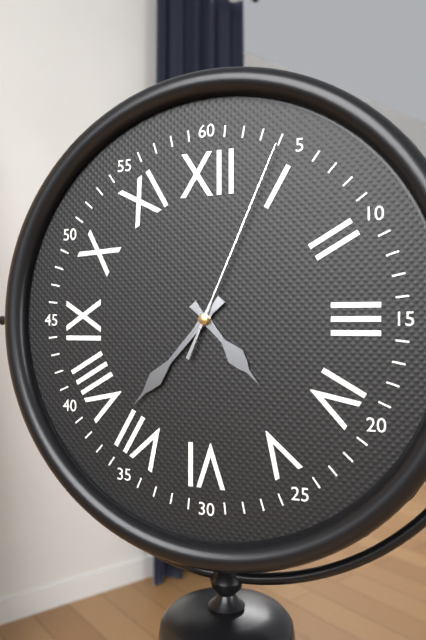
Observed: 4,37,04
